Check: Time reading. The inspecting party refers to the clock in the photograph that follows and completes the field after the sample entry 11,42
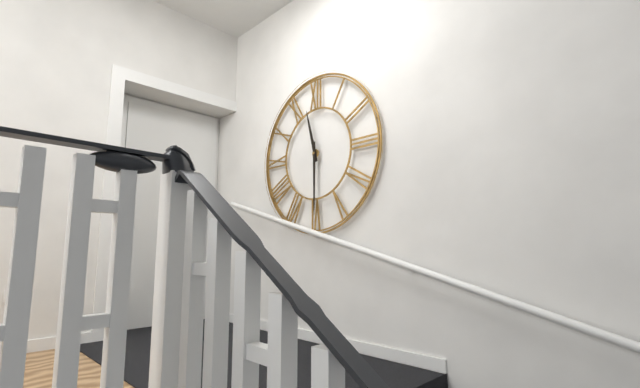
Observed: 11,30
